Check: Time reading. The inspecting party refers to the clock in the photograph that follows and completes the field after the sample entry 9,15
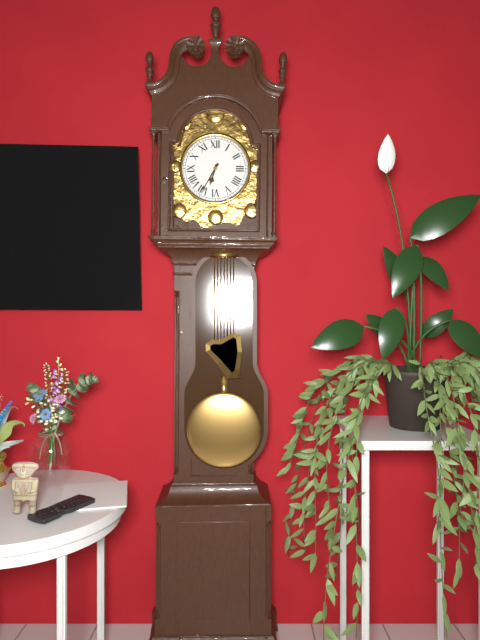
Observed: 6,35
